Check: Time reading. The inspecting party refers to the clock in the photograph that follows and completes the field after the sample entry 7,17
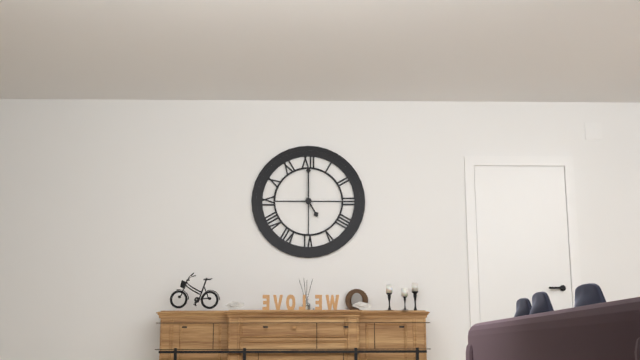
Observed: 5,00
